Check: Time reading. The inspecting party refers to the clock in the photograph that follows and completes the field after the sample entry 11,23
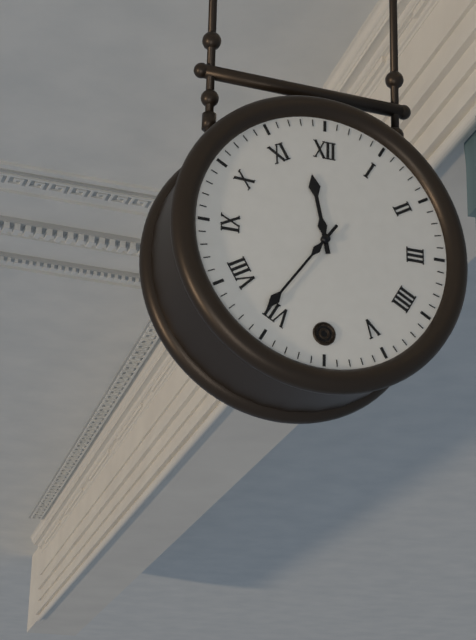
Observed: 11,36
